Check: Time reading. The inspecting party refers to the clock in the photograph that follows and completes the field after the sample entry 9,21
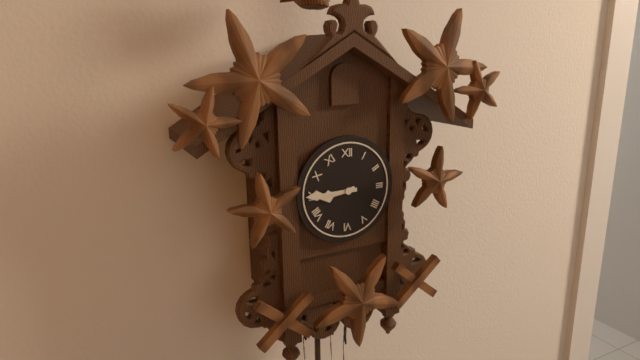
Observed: 8,45
